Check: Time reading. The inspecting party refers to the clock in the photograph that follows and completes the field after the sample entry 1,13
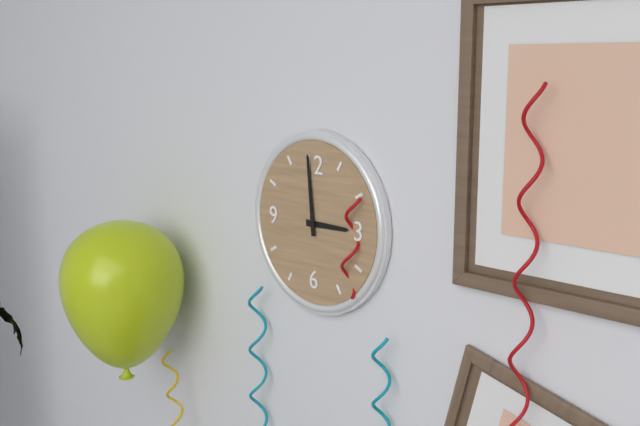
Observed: 2,59
